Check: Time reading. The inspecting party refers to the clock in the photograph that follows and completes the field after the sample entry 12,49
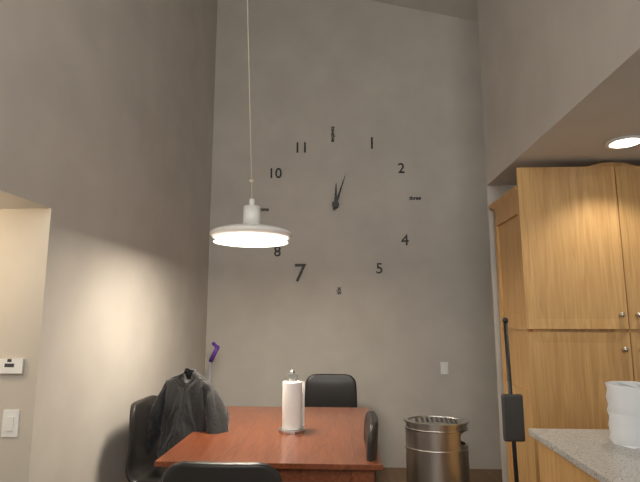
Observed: 12,03
